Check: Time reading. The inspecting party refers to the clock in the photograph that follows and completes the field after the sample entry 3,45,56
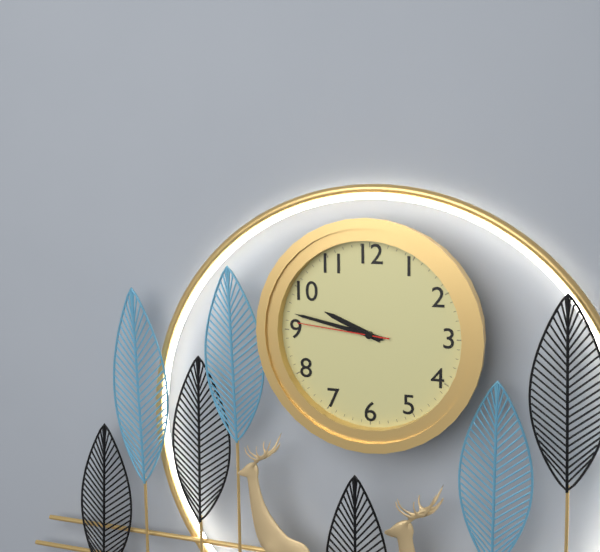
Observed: 9,47,46
